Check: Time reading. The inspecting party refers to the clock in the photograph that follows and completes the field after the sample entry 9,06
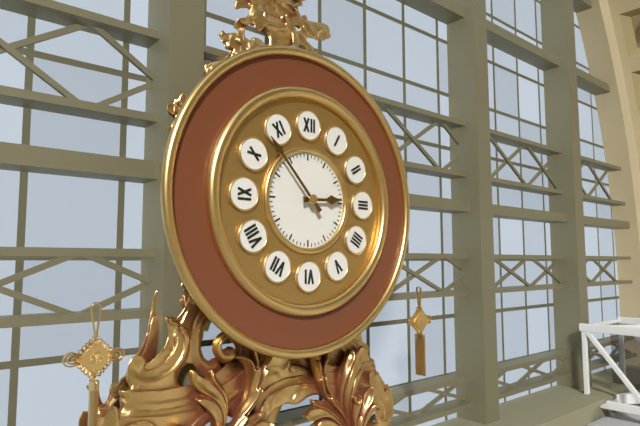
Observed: 2,53
